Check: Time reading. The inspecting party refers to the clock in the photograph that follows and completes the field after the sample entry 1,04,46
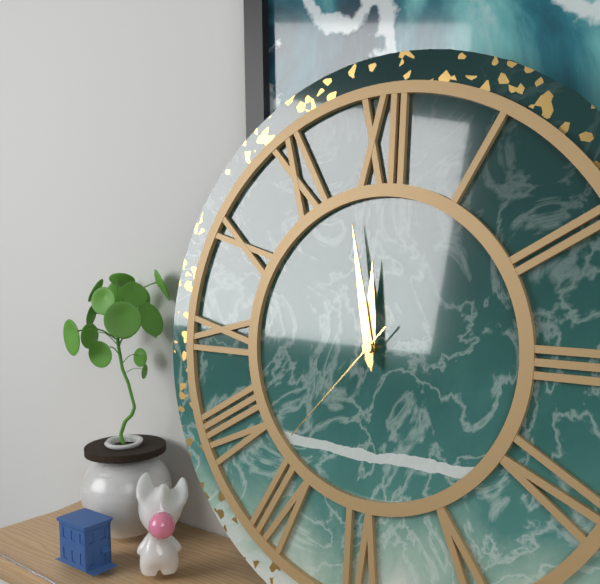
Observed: 11,58,37
